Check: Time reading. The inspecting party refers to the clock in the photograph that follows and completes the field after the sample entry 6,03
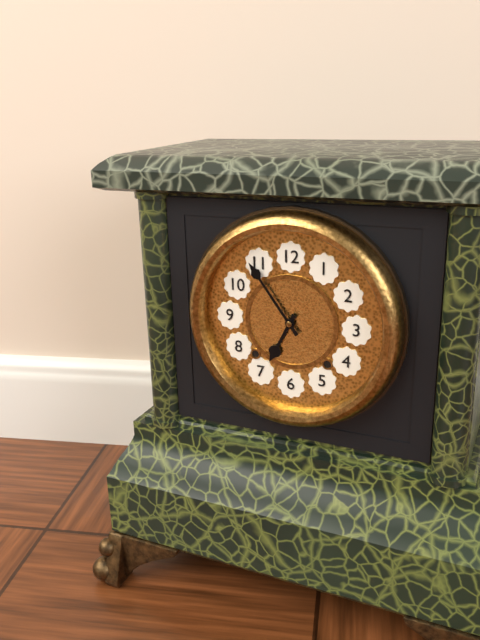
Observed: 6,54
